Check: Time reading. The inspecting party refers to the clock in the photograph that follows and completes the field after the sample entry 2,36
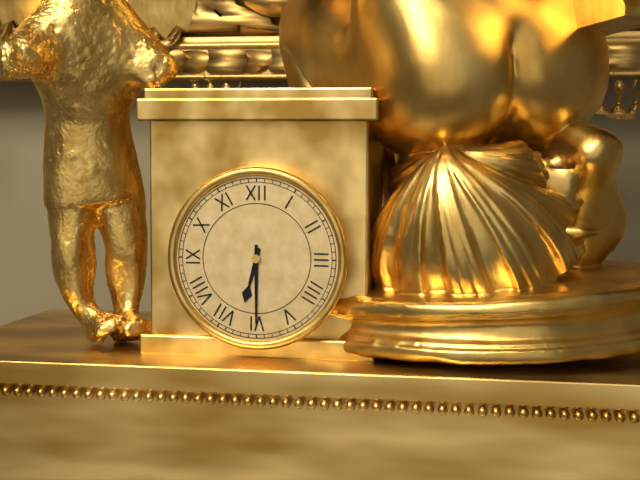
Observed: 6,30
